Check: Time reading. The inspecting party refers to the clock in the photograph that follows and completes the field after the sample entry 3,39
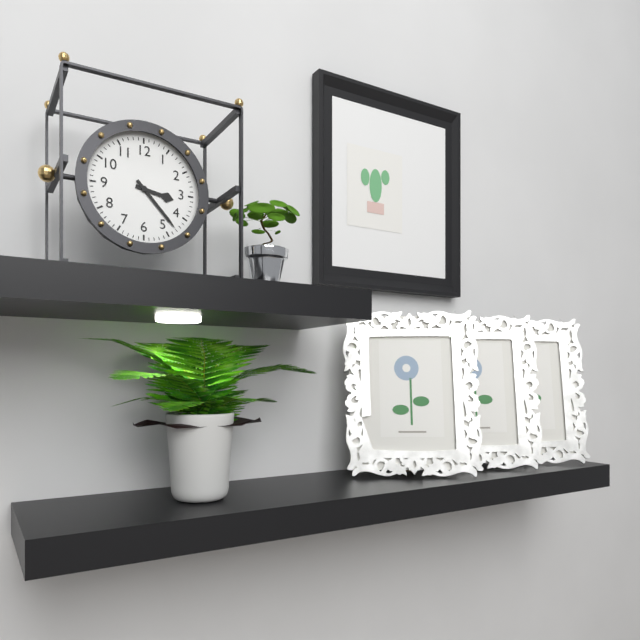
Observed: 3,23
